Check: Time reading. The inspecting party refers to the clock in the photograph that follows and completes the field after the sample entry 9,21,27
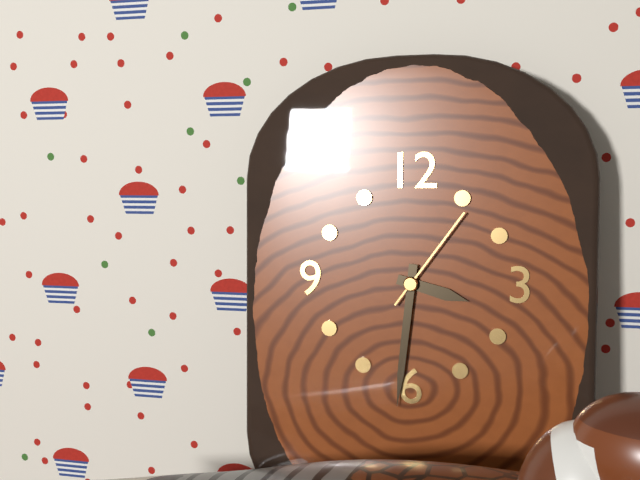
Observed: 3,31,06
